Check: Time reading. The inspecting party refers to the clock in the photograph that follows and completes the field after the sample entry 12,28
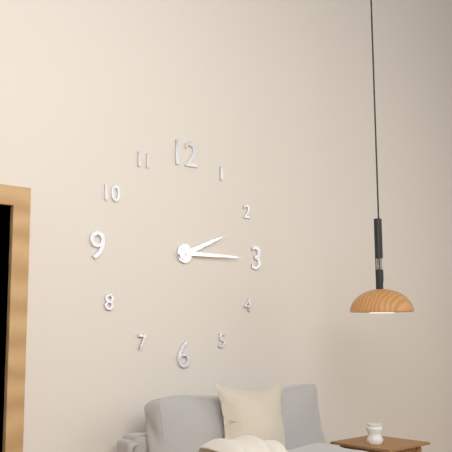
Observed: 2,15
